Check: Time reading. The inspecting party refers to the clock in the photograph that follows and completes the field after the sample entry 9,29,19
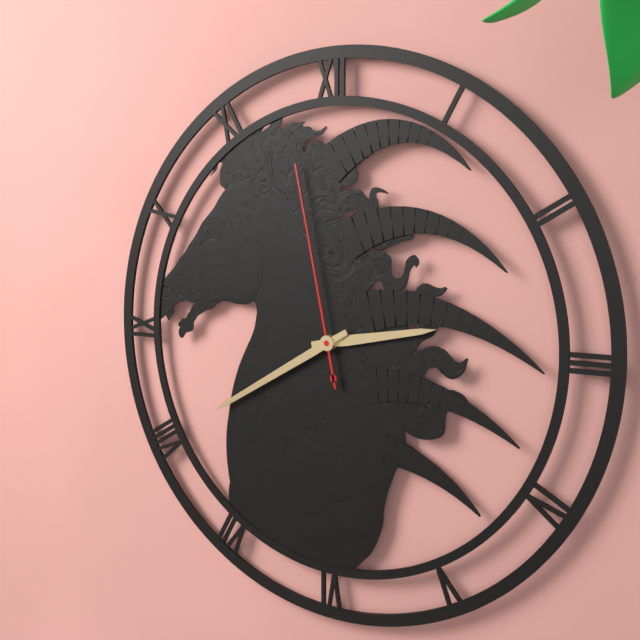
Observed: 2,40,58
